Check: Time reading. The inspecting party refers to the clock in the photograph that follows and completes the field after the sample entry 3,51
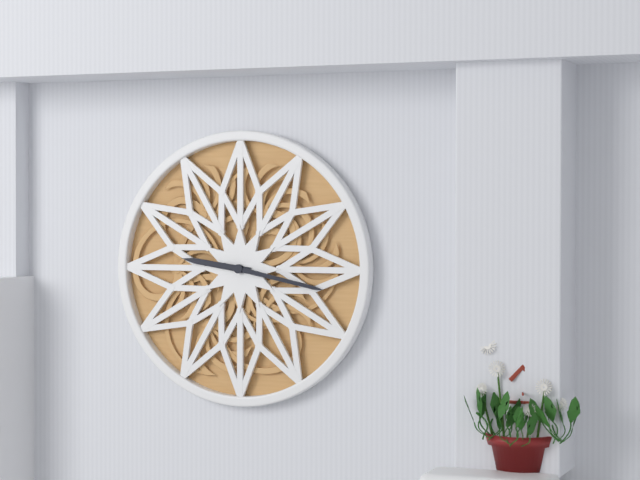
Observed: 9,17
